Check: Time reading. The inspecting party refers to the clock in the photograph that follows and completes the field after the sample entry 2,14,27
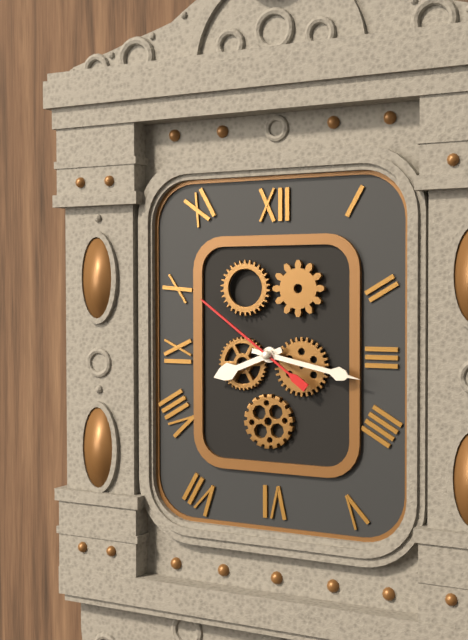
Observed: 8,17,51
